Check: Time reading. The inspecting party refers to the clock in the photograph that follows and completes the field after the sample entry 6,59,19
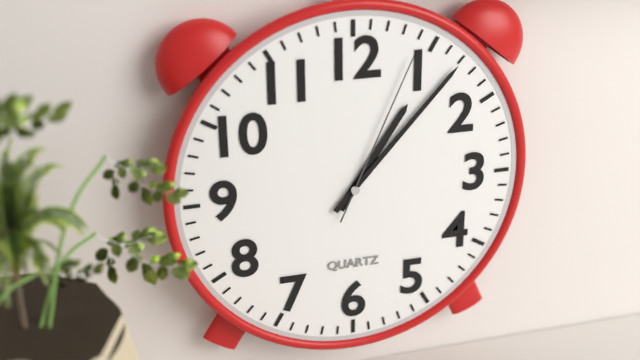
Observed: 1,07,04
